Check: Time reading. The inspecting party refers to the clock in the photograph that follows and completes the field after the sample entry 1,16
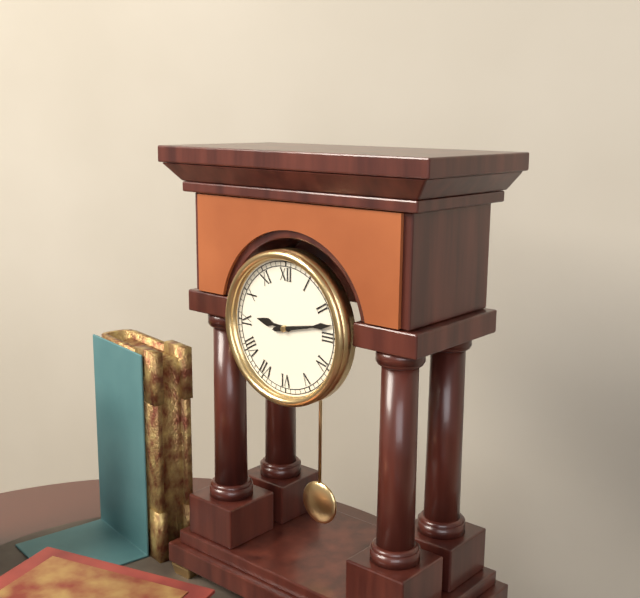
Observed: 9,13
